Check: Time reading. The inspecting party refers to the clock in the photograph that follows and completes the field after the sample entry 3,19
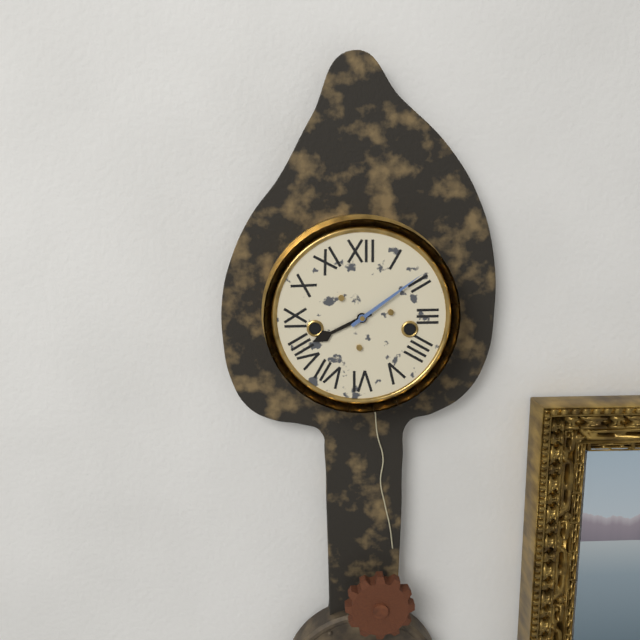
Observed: 8,09
